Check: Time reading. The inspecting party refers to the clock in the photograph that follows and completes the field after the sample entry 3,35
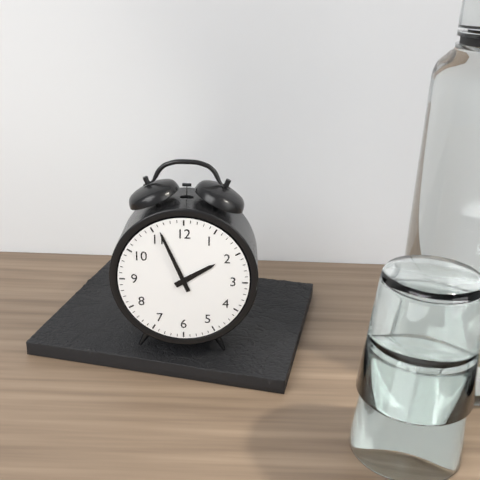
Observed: 1,56
